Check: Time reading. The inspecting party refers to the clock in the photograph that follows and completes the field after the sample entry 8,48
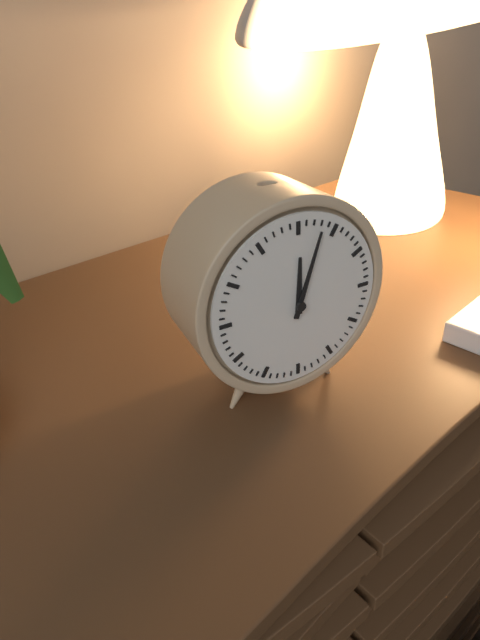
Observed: 12,03
